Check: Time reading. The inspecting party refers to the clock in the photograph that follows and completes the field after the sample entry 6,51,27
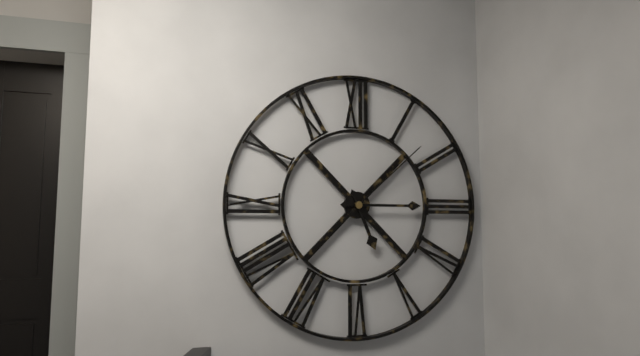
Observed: 5,15,08
